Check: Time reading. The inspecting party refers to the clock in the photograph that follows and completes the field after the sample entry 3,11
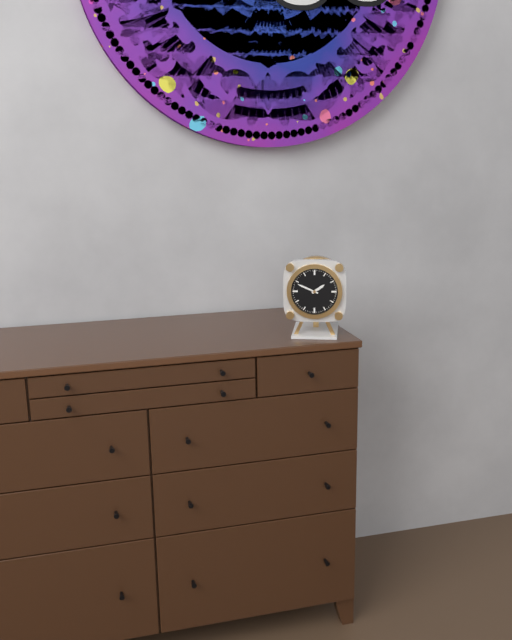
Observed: 1,49
